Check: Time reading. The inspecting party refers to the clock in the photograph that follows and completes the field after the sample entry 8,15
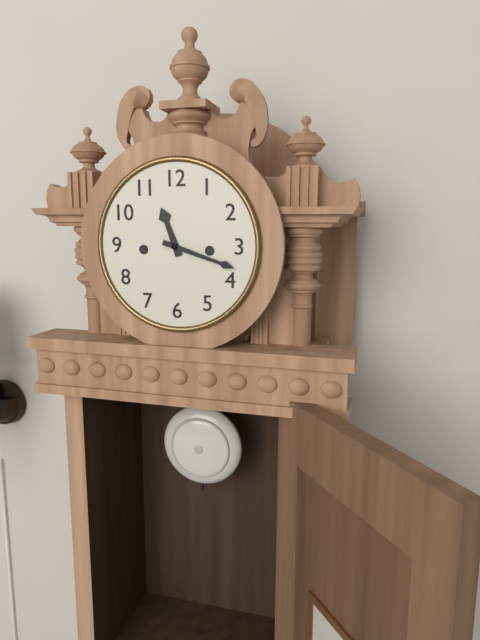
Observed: 11,18
